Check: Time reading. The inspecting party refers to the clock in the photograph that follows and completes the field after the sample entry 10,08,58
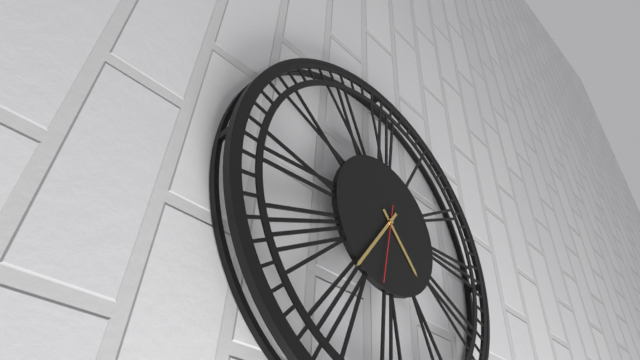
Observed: 4,36,32
